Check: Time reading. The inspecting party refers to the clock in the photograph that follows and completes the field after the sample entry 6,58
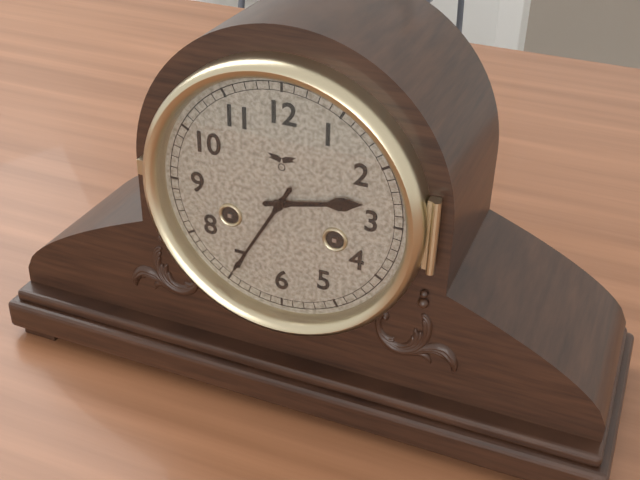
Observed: 2,35
